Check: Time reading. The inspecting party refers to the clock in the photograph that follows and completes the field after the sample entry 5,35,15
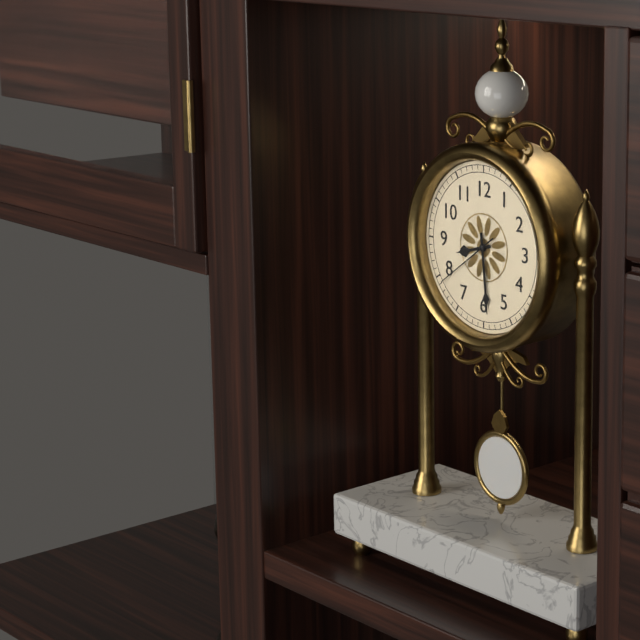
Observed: 8,29,39
